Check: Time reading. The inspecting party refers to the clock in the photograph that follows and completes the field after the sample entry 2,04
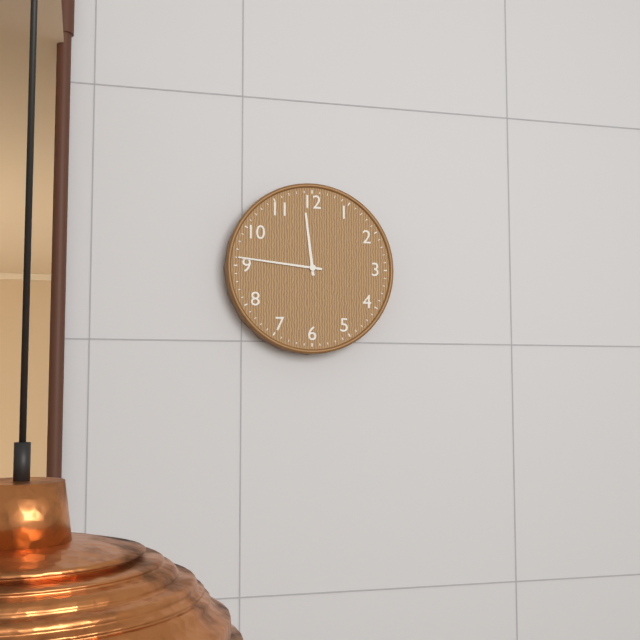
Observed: 11,46
